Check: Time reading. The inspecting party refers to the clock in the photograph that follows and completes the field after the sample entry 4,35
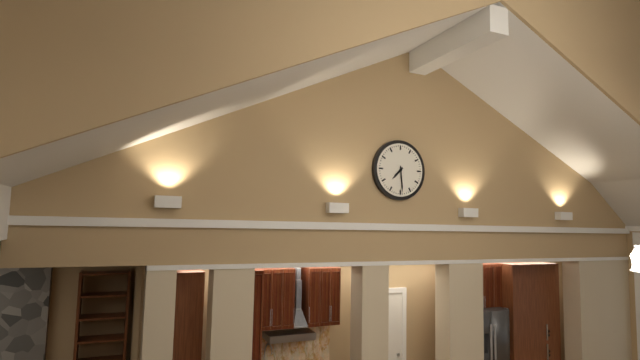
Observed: 7,29
